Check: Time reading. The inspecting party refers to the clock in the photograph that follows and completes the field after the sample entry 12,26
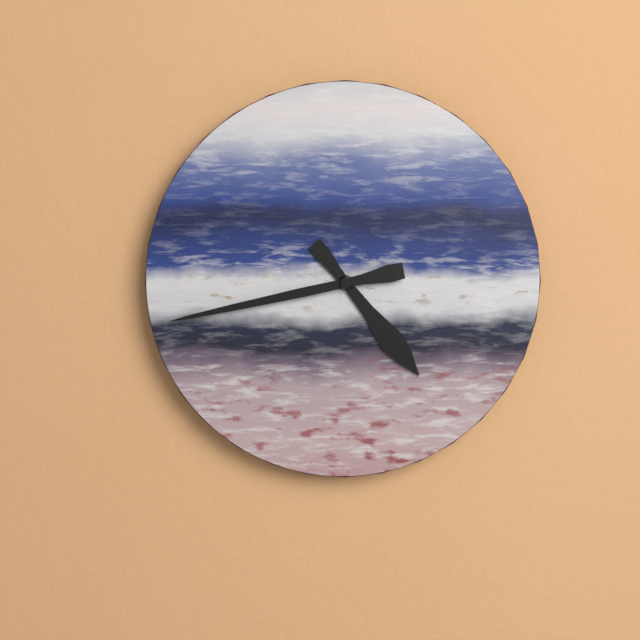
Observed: 4,43
